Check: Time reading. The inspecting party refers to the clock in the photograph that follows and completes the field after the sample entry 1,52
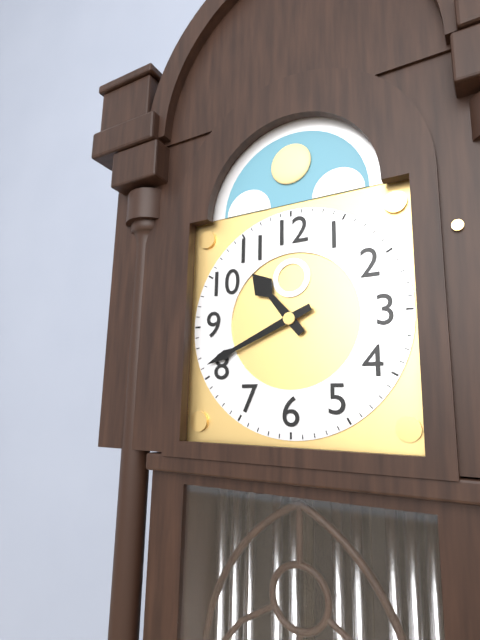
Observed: 10,41
